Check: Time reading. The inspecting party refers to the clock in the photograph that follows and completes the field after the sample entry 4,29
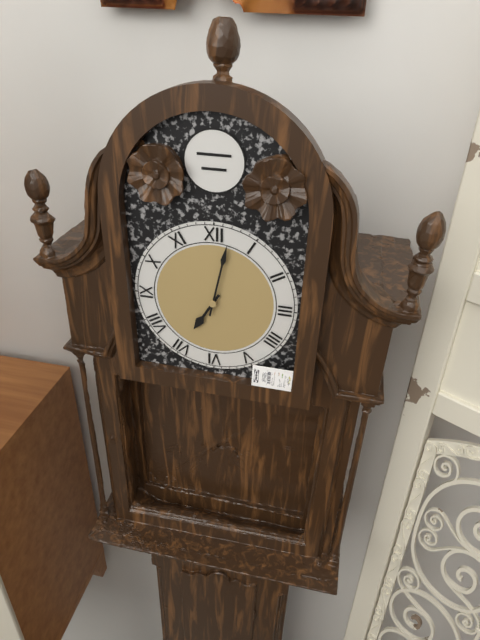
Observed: 7,02
